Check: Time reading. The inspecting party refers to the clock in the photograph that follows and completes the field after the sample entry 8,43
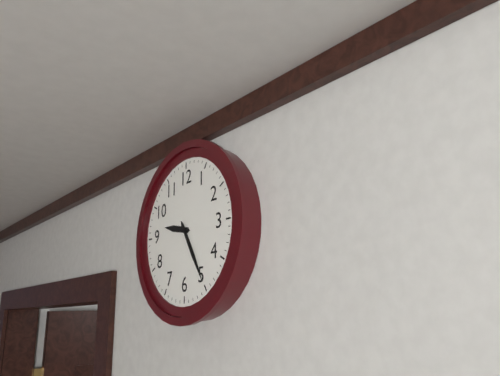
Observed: 9,25
